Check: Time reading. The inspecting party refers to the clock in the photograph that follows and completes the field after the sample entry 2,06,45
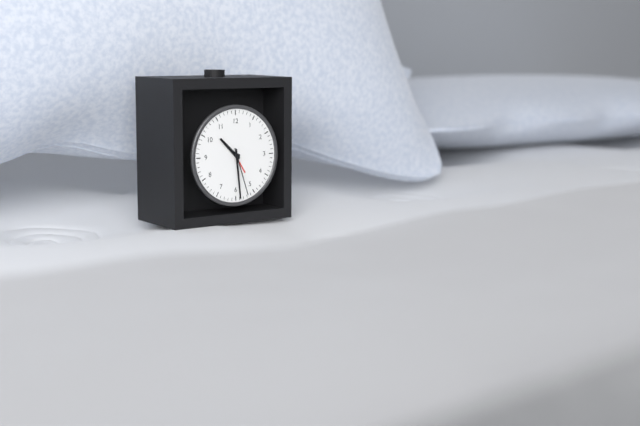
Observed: 10,29,27
